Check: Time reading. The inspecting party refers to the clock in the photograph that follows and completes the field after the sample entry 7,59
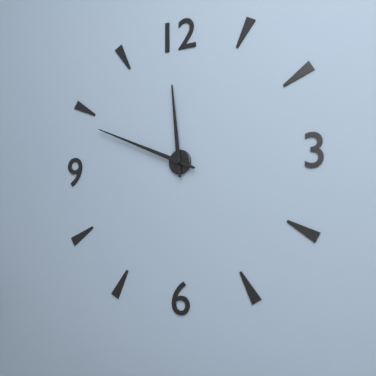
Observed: 11,49
